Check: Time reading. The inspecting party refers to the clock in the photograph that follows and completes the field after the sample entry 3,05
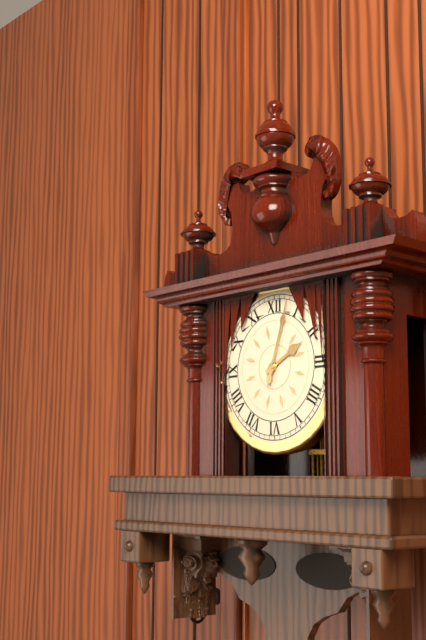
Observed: 2,03
